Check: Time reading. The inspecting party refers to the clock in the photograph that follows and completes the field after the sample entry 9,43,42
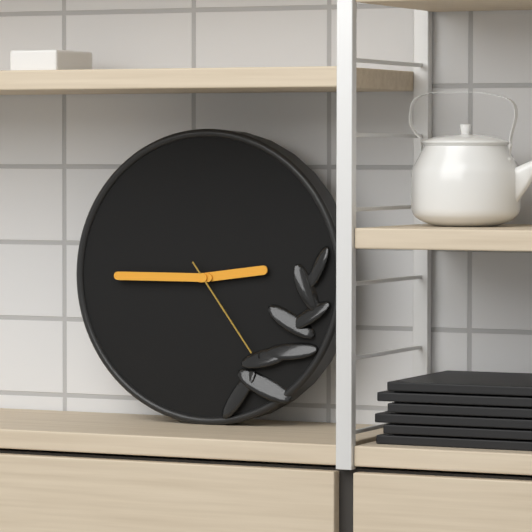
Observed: 2,45,24
